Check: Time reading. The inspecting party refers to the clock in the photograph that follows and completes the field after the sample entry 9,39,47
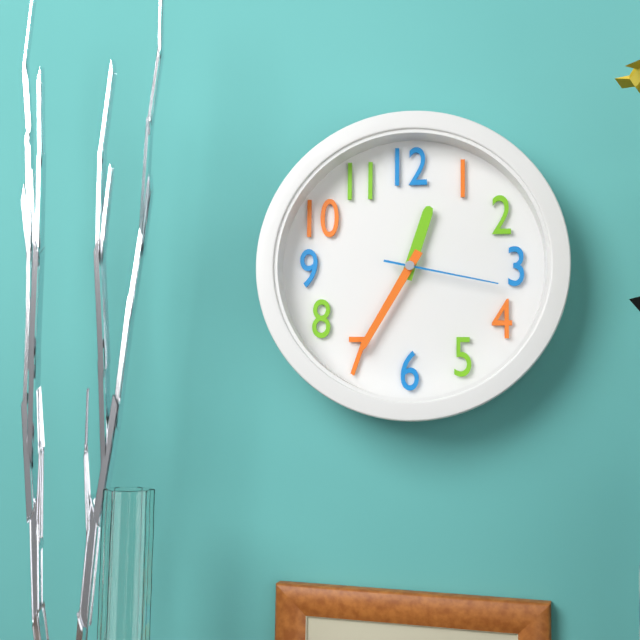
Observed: 12,35,17
